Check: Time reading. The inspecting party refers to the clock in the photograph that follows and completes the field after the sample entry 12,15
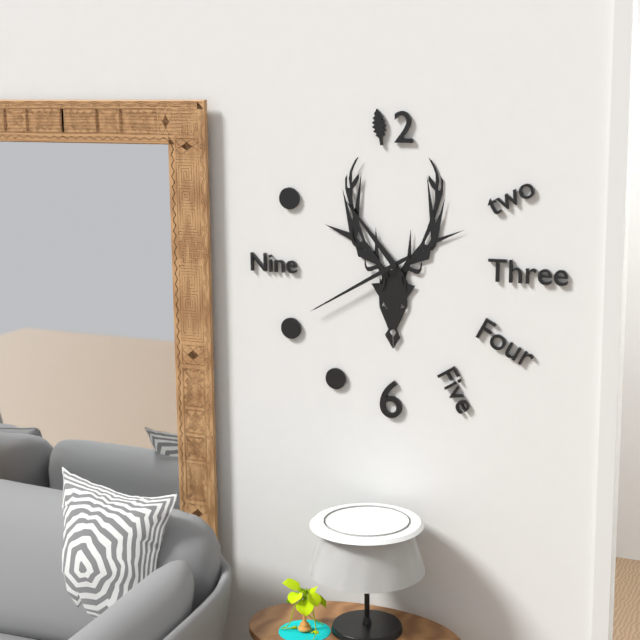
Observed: 10,40
